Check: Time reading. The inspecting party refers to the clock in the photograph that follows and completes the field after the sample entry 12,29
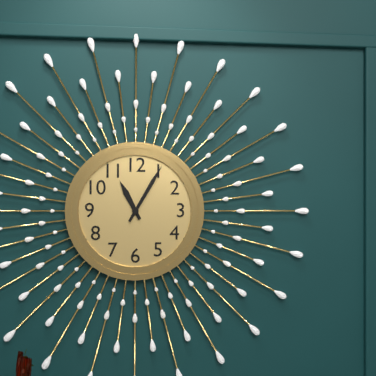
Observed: 11,05
